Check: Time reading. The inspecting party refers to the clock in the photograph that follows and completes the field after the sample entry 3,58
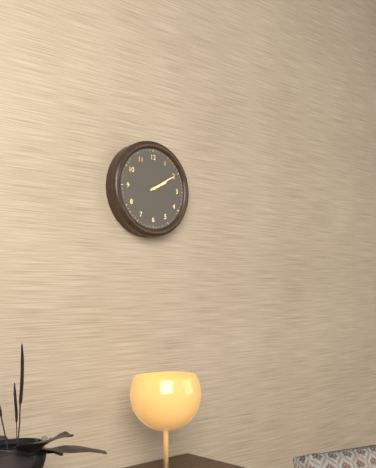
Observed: 2,10
